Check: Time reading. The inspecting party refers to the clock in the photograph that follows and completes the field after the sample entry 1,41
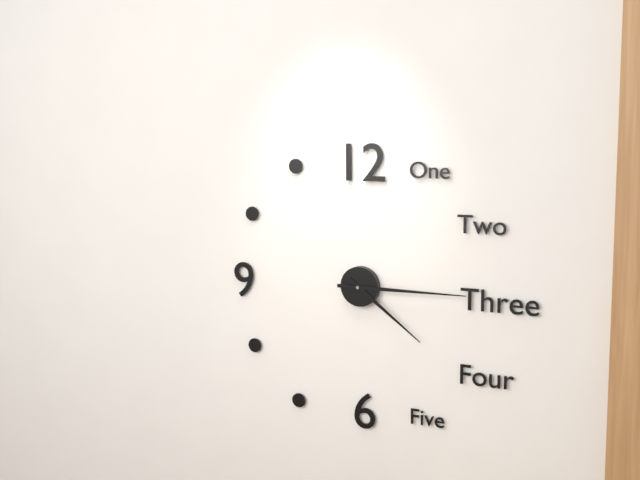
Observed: 4,15
